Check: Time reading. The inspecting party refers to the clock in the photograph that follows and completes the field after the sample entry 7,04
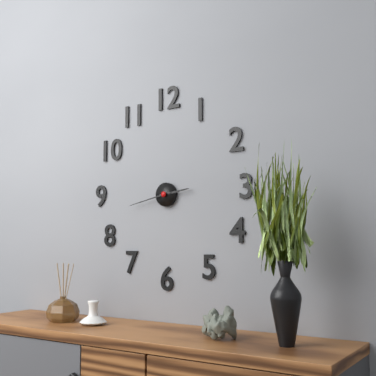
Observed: 2,43
